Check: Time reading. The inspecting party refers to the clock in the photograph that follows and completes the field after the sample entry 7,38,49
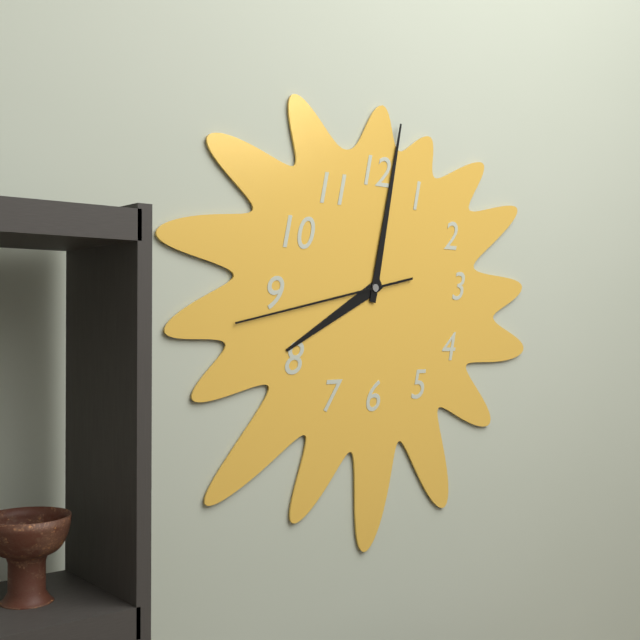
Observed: 8,02,43
